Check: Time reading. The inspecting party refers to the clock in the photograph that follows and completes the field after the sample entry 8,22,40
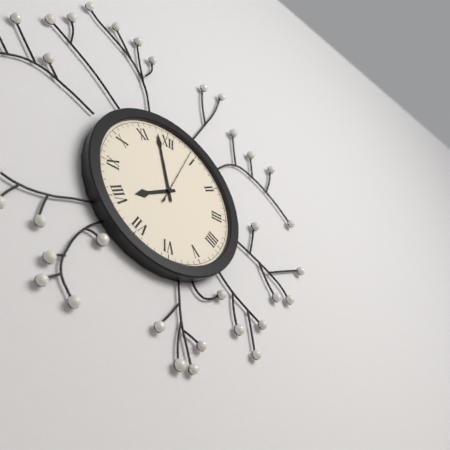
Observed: 7,58,04
